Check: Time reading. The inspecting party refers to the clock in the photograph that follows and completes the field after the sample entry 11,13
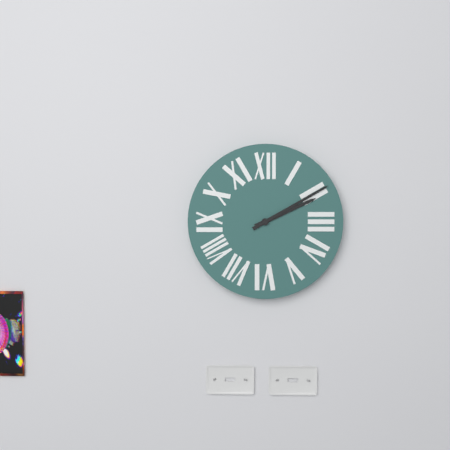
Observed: 2,10
